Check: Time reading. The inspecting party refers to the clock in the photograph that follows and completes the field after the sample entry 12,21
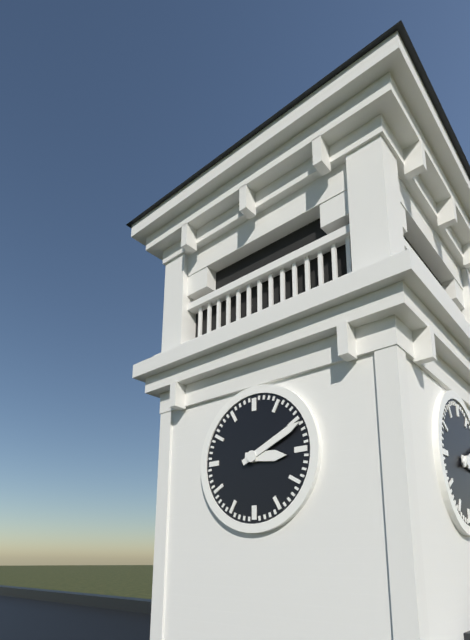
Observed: 3,11
